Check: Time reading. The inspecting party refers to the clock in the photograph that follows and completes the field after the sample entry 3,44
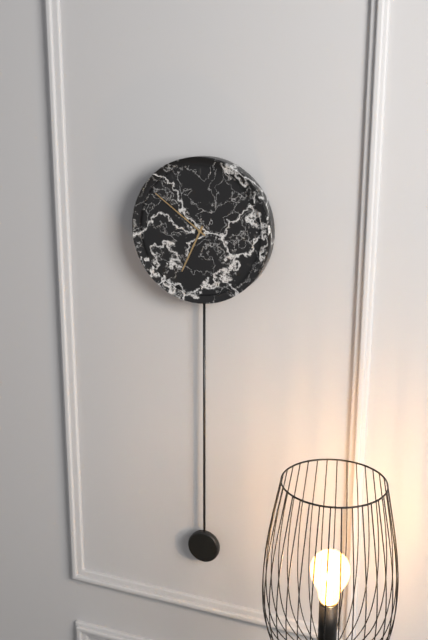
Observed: 6,51
